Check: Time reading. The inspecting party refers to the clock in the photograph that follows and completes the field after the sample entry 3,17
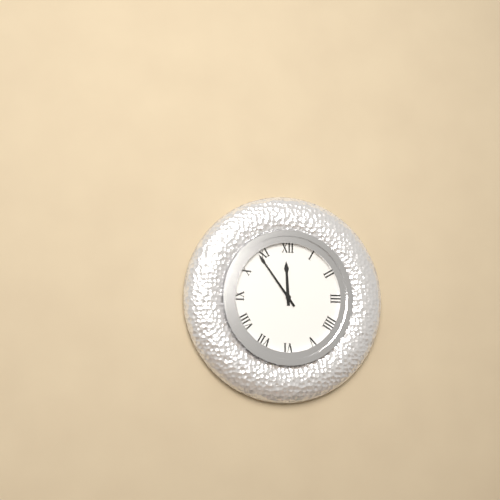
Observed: 11,54
